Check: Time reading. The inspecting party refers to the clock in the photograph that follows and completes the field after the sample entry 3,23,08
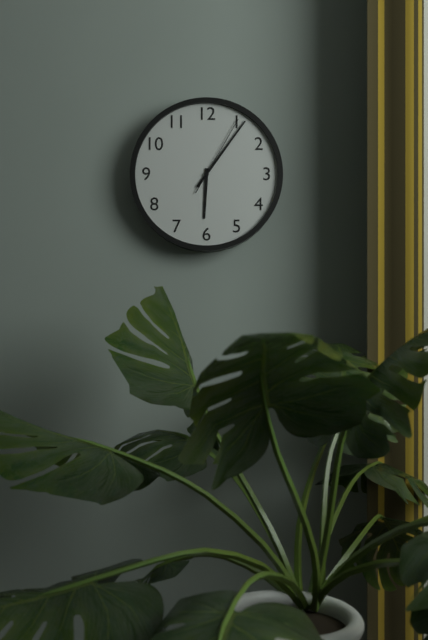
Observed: 6,06,05
